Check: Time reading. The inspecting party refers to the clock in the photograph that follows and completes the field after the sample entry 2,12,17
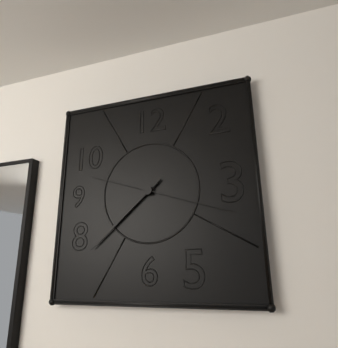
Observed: 7,38,18
